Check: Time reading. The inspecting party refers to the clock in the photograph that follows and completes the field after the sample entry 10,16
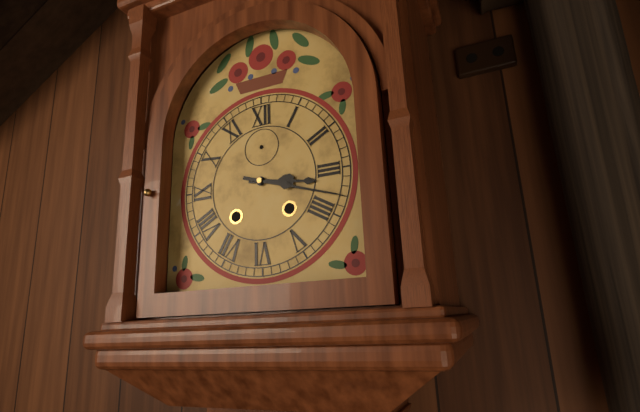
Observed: 3,18
